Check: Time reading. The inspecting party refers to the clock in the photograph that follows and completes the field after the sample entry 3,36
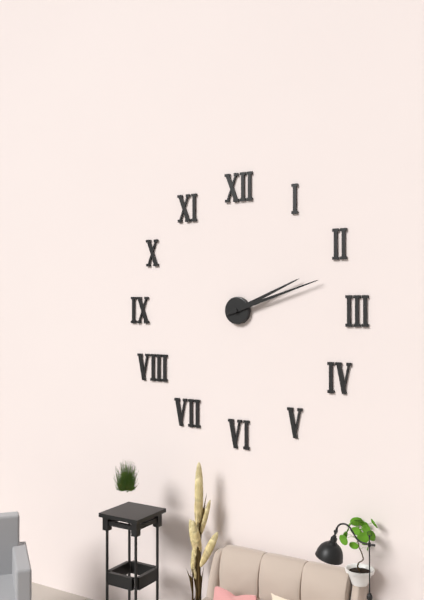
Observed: 2,12
